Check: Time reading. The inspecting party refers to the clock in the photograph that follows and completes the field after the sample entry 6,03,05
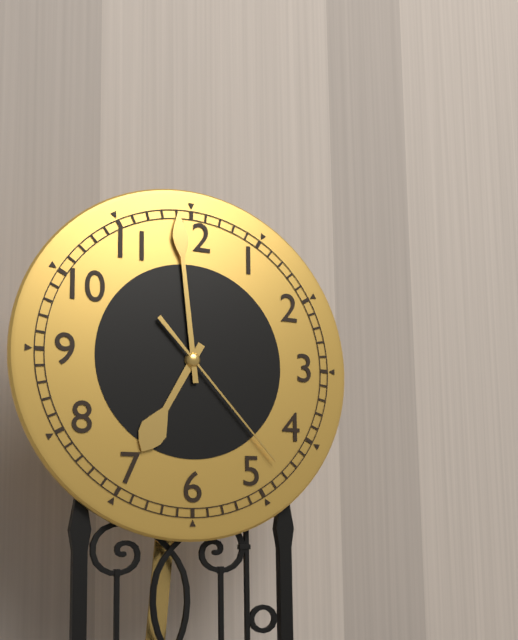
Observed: 6,59,23
